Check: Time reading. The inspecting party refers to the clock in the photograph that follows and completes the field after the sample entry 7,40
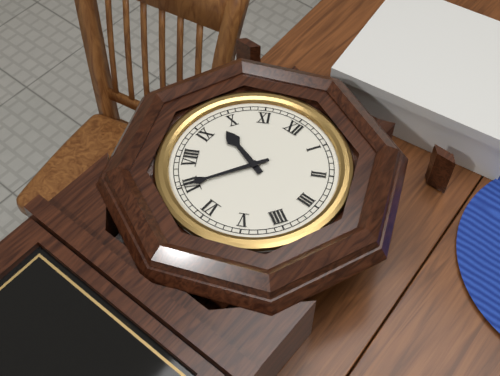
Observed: 9,35
